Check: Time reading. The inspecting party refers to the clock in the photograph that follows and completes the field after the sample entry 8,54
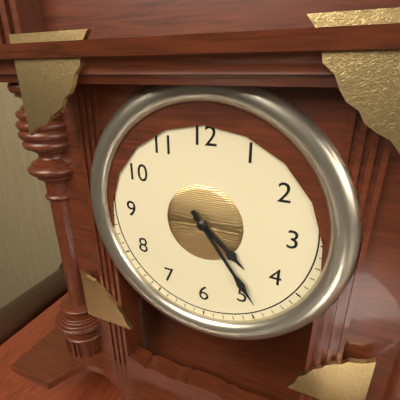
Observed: 4,24
